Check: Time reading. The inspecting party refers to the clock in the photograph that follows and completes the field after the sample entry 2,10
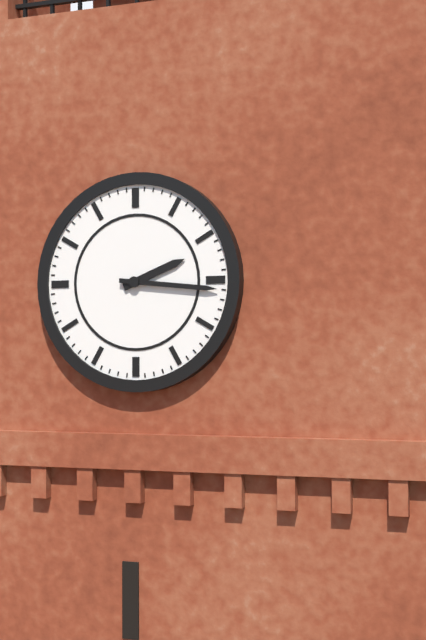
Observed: 2,16
